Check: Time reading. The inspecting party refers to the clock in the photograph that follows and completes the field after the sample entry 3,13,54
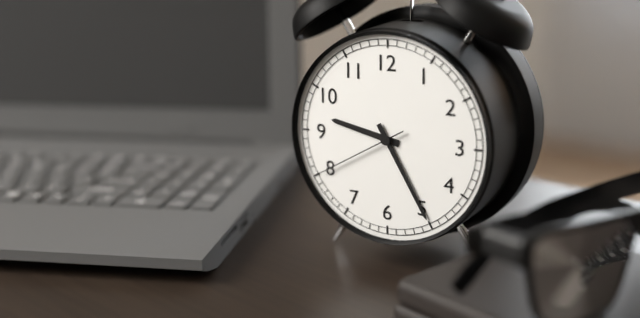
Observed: 9,25,40
